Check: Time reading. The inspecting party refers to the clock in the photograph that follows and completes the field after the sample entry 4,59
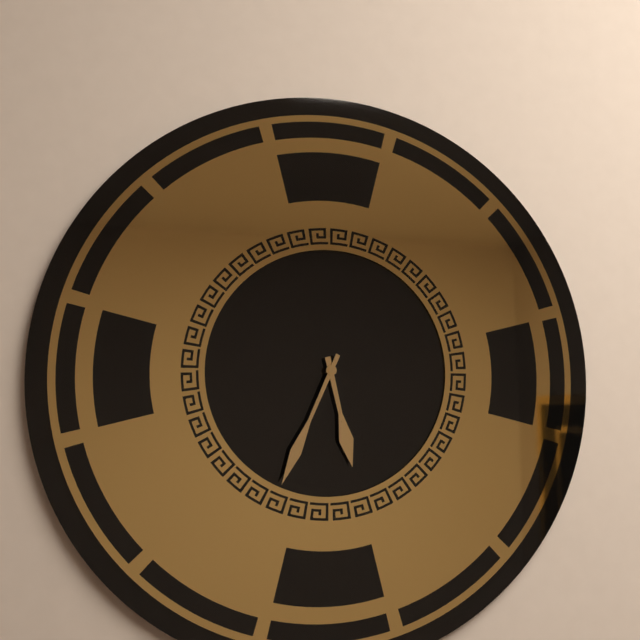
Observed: 5,34
